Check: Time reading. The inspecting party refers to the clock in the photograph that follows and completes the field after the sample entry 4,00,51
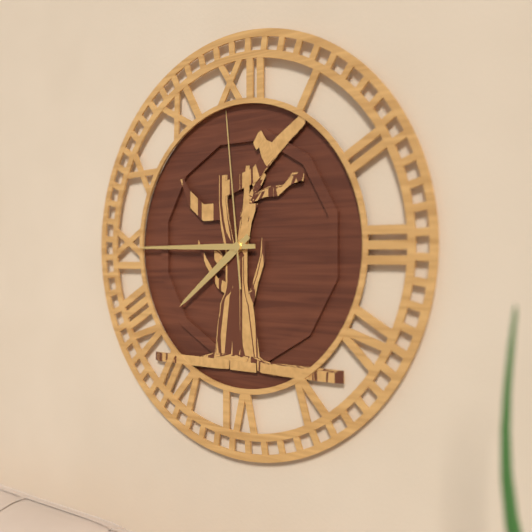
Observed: 7,45,59
